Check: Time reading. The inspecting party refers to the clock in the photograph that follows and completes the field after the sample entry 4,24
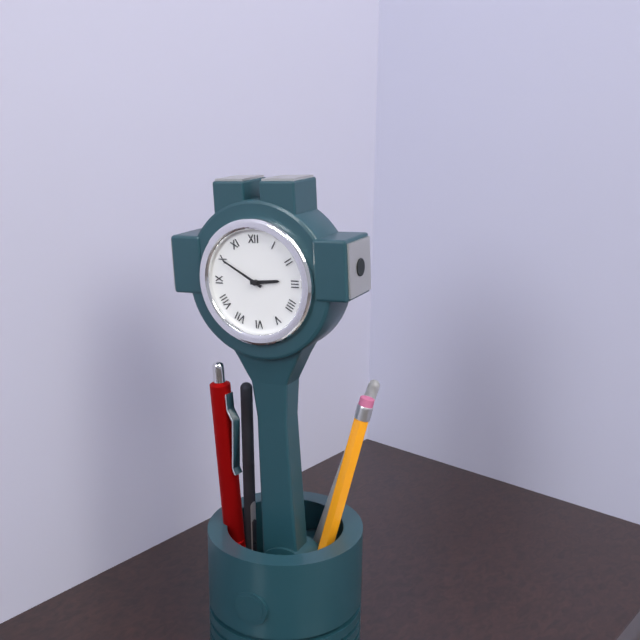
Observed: 2,50
